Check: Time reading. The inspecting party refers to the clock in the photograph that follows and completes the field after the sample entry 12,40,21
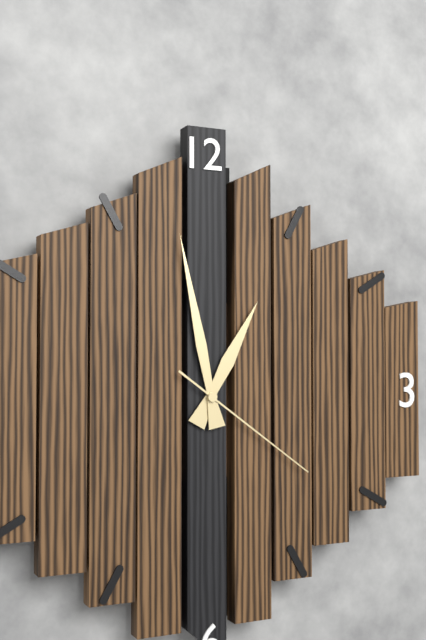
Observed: 12,58,21
